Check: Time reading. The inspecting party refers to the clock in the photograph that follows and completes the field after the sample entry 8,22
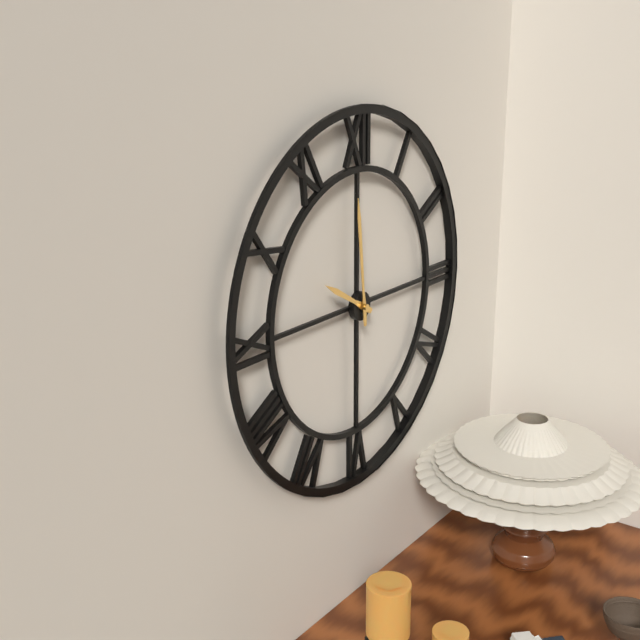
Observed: 9,59
